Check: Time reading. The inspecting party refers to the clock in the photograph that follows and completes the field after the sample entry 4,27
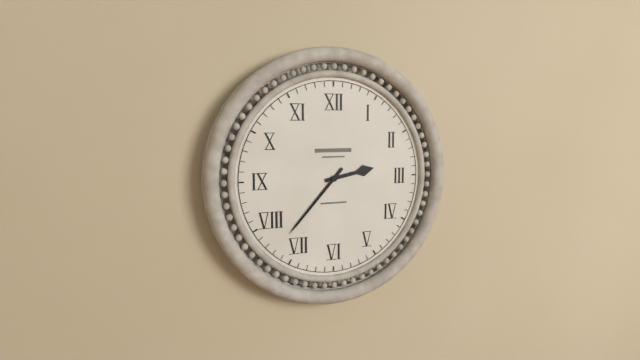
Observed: 2,37
